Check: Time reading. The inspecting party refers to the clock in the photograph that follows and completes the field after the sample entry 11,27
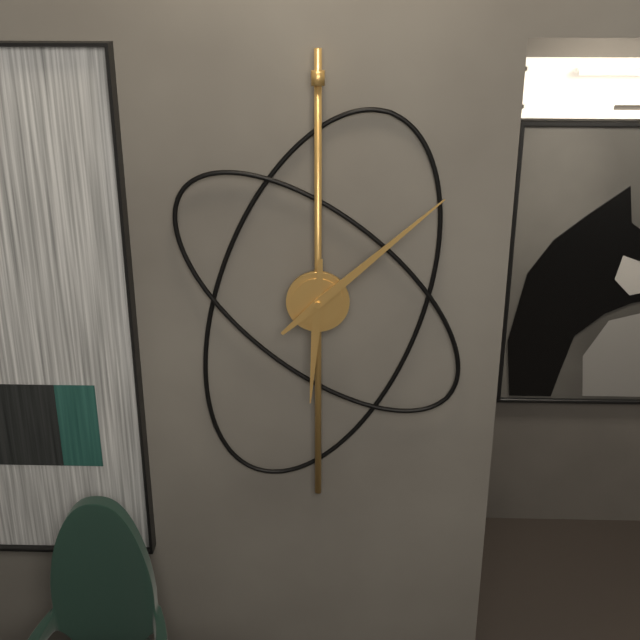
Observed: 6,08
